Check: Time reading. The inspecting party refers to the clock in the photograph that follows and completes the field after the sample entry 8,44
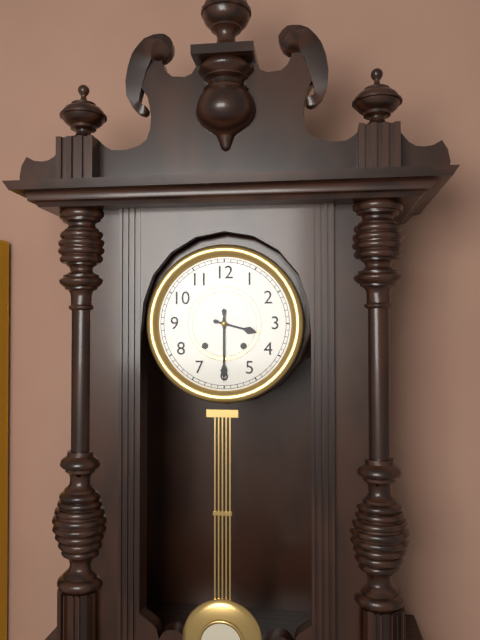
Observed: 3,30
